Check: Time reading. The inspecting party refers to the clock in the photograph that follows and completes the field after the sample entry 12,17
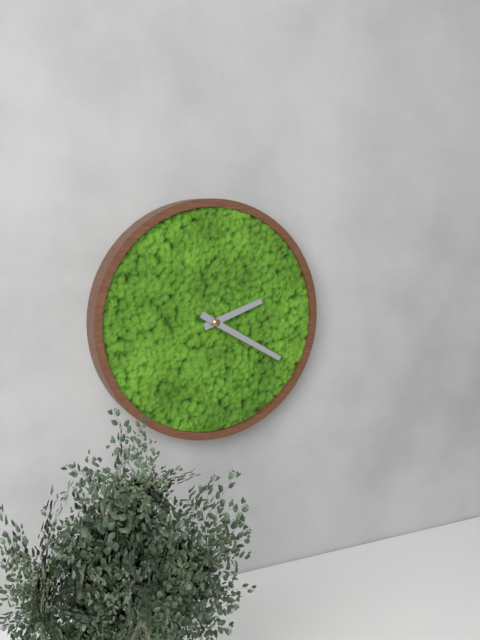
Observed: 2,20
